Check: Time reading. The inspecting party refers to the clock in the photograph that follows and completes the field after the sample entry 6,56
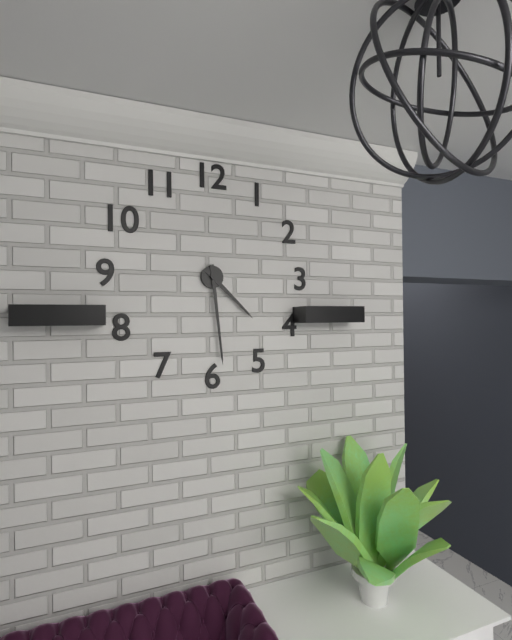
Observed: 4,29
